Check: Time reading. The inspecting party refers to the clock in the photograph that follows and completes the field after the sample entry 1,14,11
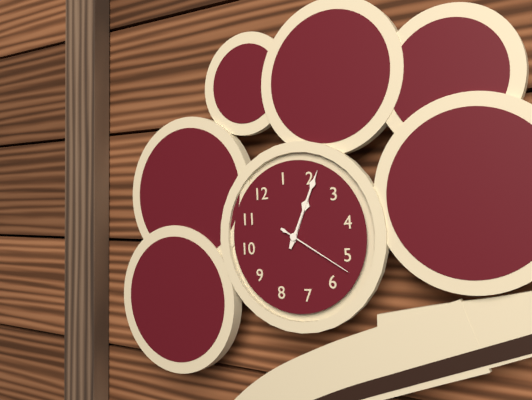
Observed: 2,11,27
